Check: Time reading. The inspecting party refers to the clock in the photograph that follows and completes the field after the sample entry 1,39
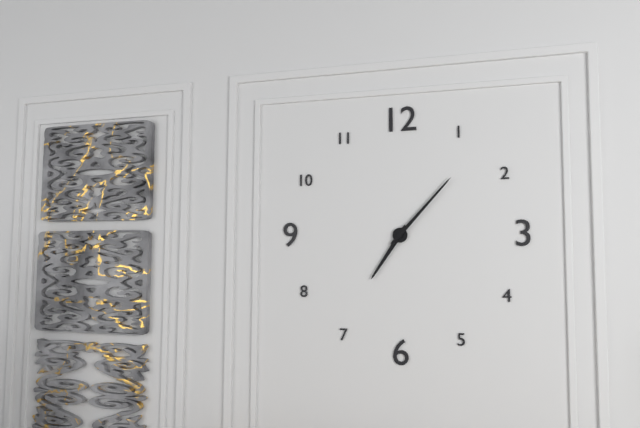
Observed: 7,07
